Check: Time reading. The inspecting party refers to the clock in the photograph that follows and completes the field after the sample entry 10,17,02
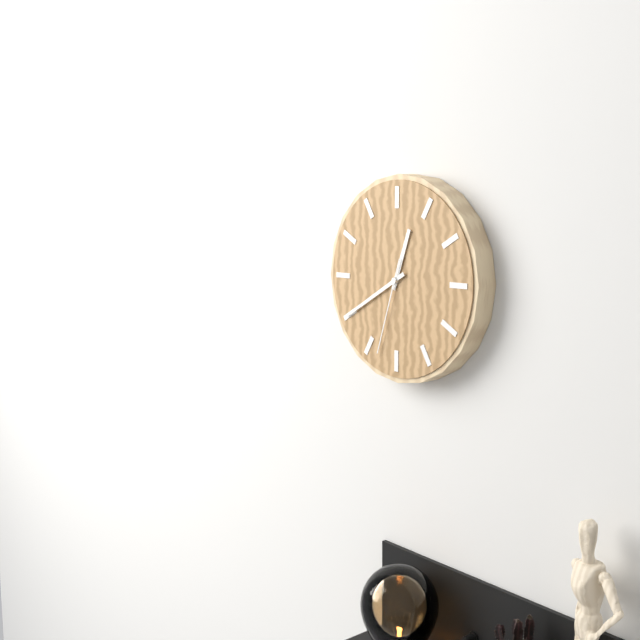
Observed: 12,40,33
